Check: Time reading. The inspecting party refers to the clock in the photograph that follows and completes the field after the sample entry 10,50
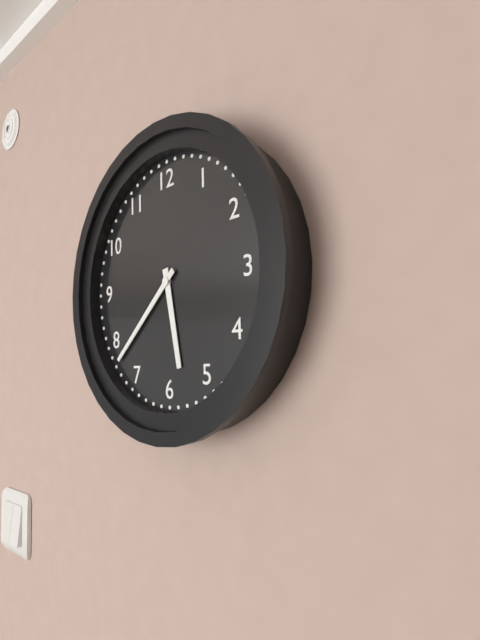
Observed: 5,38
